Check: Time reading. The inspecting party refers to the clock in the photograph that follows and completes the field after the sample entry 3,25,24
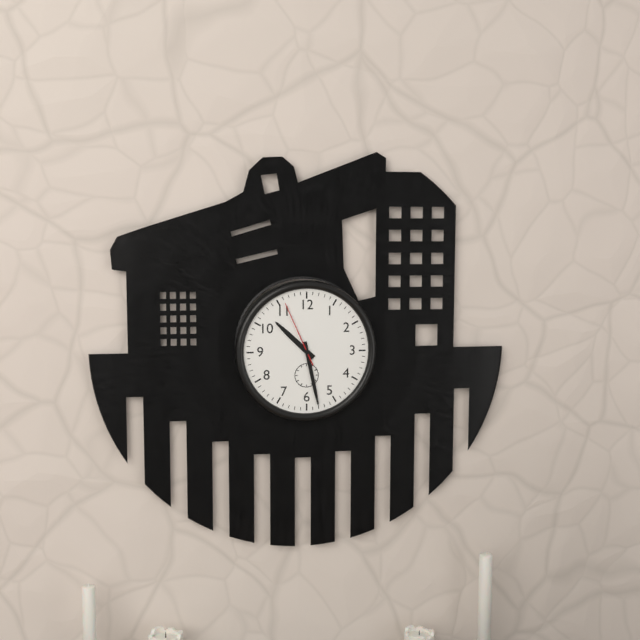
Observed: 10,28,56
